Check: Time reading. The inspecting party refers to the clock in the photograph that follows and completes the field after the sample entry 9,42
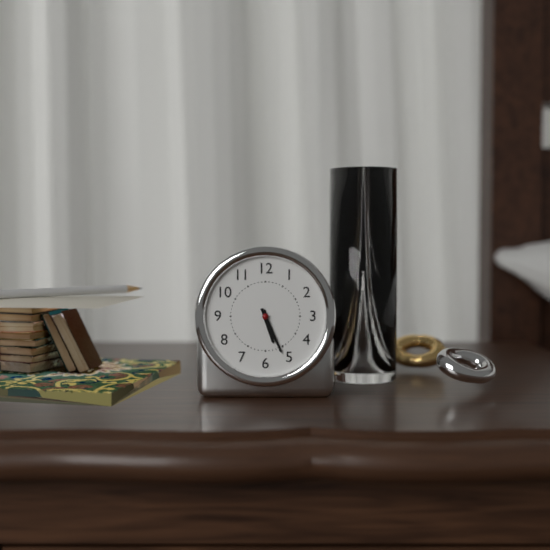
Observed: 5,26
